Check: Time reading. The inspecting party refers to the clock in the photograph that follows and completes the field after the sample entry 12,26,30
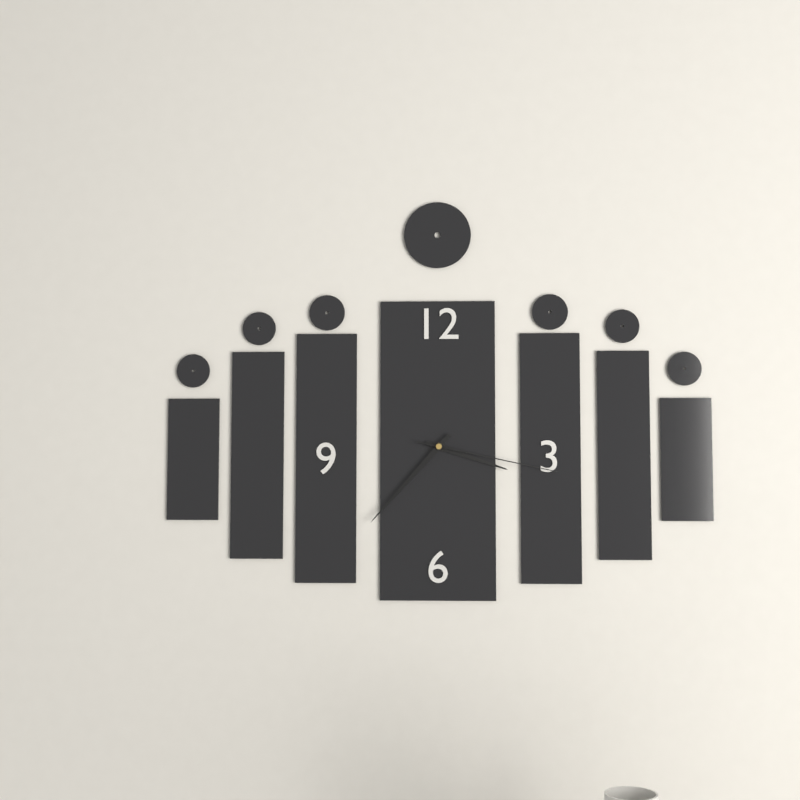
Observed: 3,37,17
